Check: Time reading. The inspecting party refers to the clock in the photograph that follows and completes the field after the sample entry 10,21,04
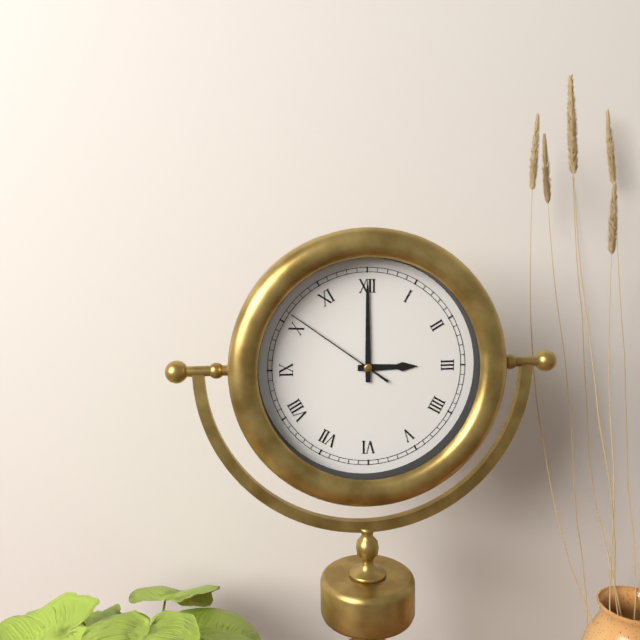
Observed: 3,00,51
